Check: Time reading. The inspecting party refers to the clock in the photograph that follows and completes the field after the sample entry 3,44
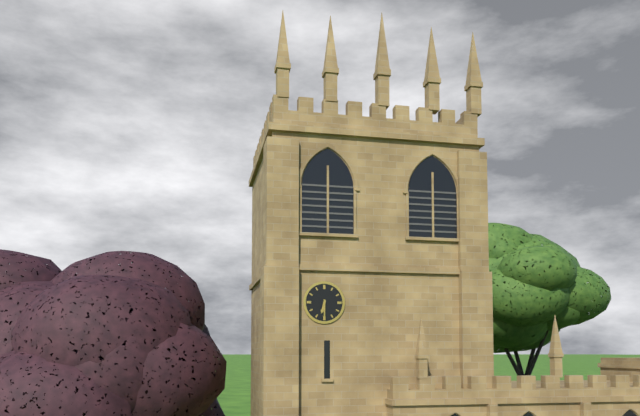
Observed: 6,30
